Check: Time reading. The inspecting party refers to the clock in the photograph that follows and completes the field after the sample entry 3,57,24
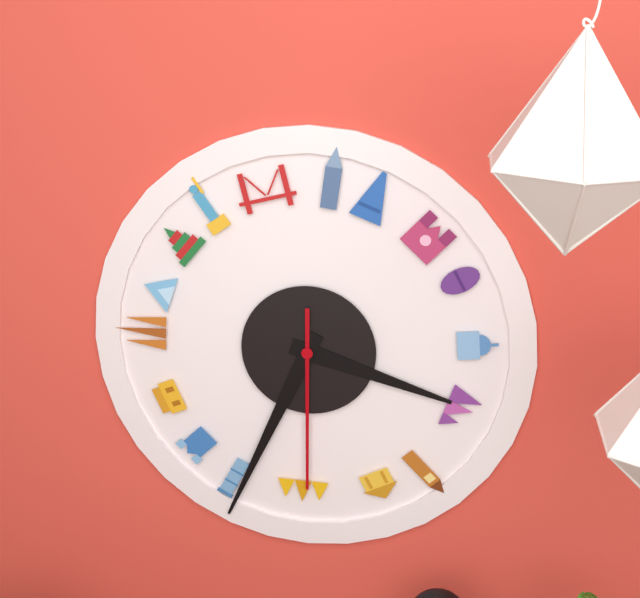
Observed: 3,34,30
